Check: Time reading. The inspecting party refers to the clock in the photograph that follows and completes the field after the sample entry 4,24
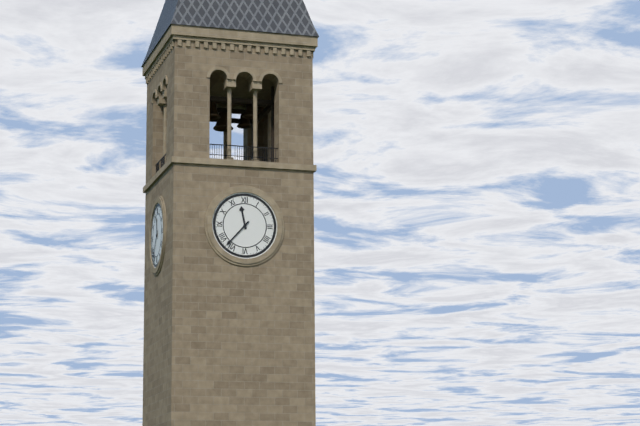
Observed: 11,37
